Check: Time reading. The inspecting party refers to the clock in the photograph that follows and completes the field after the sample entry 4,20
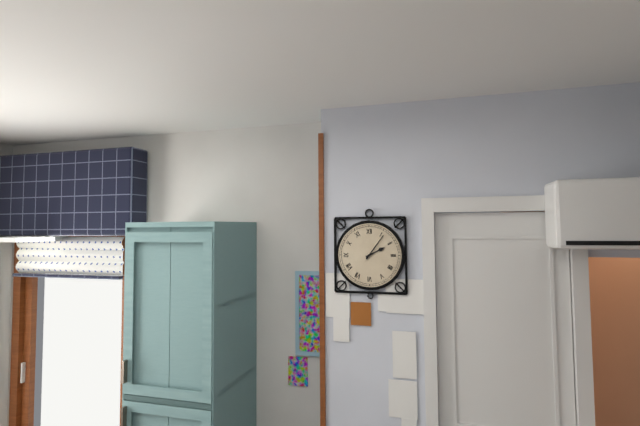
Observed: 2,06
